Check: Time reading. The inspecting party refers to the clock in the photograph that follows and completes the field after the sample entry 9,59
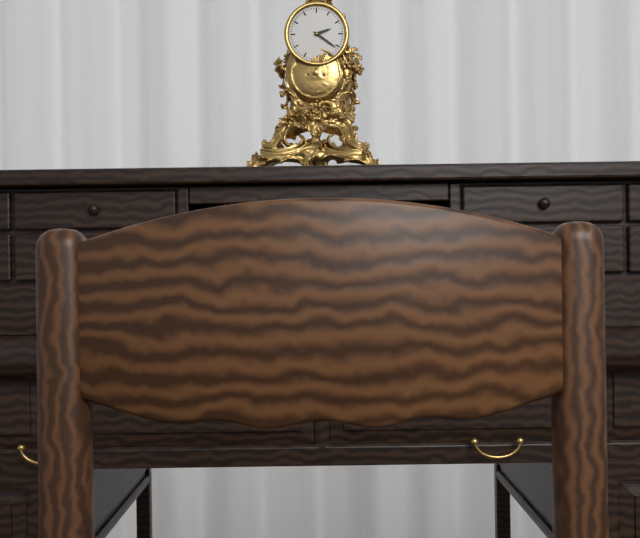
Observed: 2,21
